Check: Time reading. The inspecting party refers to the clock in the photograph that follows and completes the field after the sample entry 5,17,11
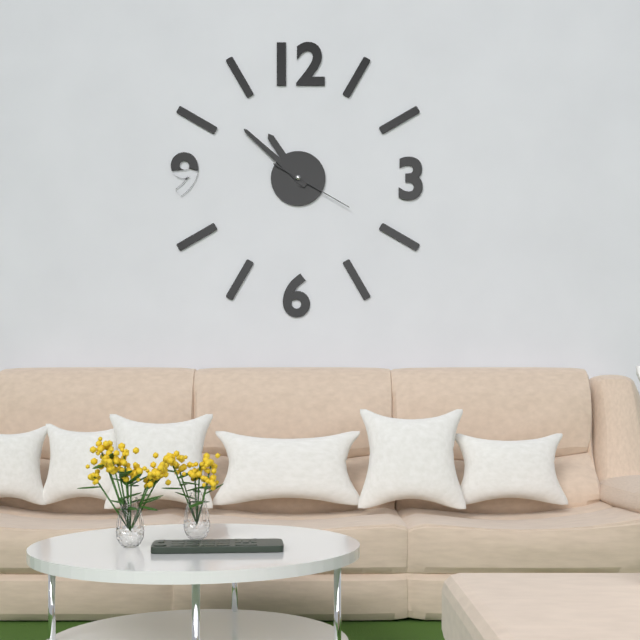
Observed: 10,52,20
